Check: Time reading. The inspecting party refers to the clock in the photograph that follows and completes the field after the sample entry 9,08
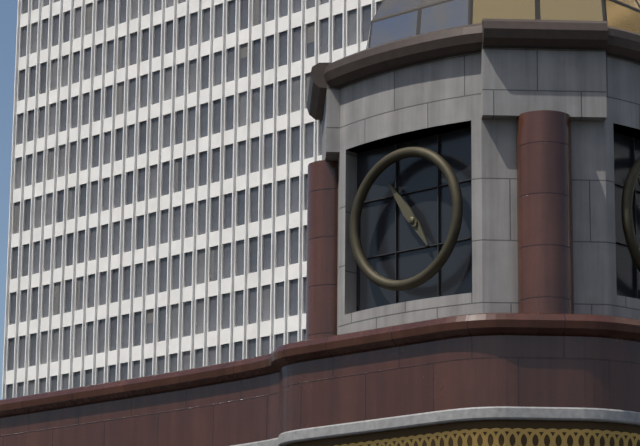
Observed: 4,54
